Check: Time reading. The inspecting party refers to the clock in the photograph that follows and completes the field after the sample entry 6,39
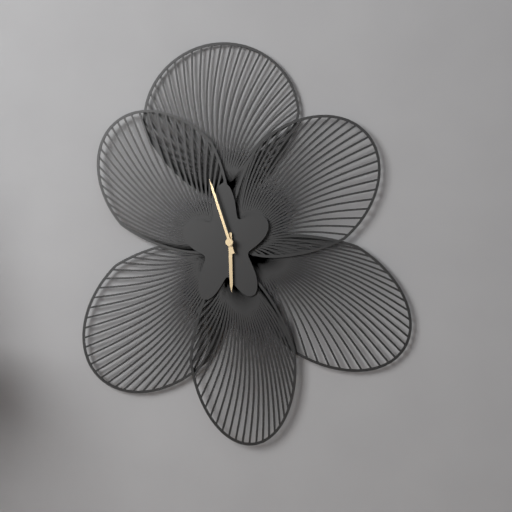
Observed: 5,57
